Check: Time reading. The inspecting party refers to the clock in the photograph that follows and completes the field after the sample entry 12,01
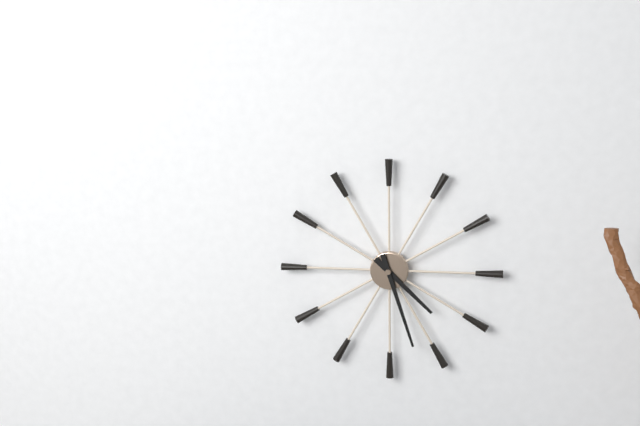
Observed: 4,27
